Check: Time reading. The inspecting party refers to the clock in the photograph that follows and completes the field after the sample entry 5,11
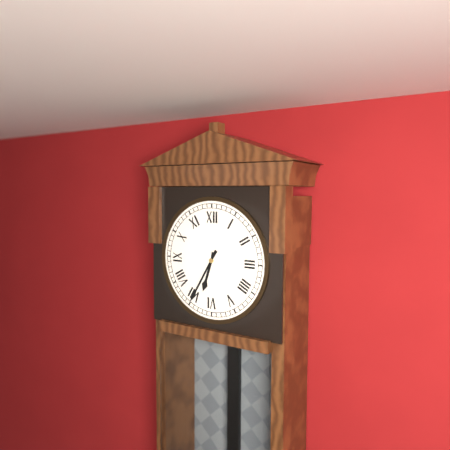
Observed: 6,35
